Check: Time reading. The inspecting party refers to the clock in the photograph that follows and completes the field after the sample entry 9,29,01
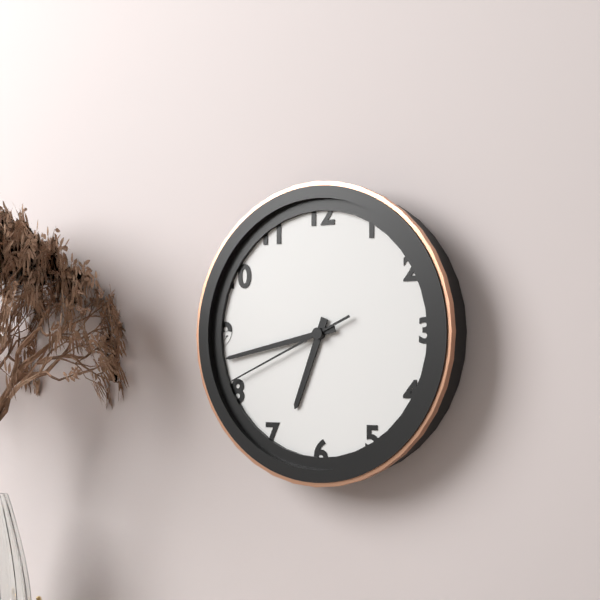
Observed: 6,43,41
